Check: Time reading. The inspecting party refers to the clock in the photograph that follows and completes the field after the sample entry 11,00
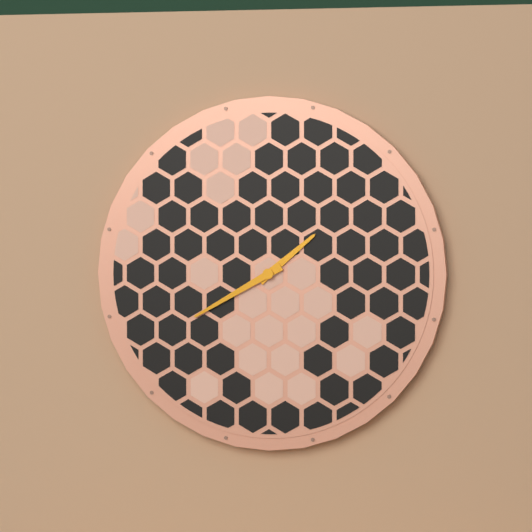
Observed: 1,40
